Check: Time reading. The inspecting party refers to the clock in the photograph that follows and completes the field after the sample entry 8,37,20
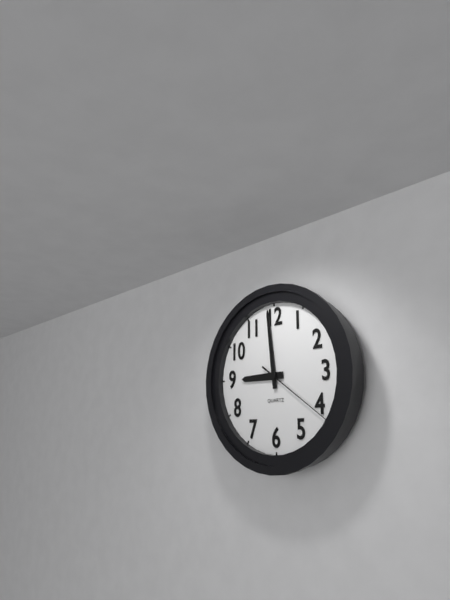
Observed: 8,59,21
